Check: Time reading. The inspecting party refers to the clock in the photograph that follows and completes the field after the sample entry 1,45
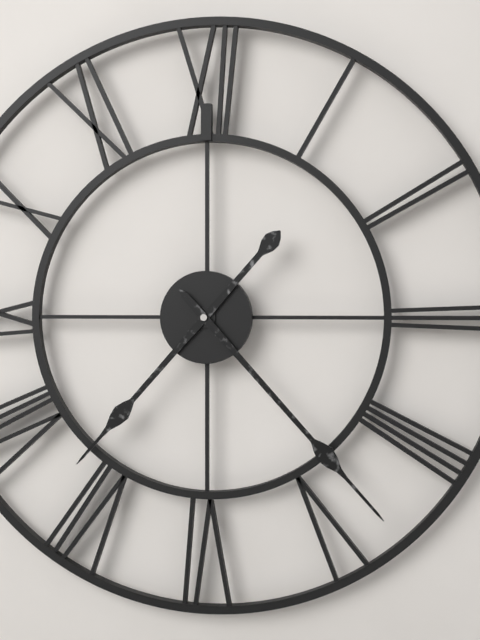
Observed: 7,23
